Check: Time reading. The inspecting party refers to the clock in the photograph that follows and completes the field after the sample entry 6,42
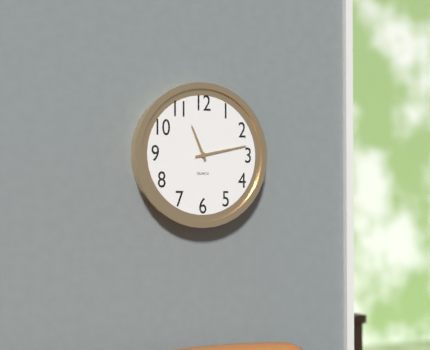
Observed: 11,13
